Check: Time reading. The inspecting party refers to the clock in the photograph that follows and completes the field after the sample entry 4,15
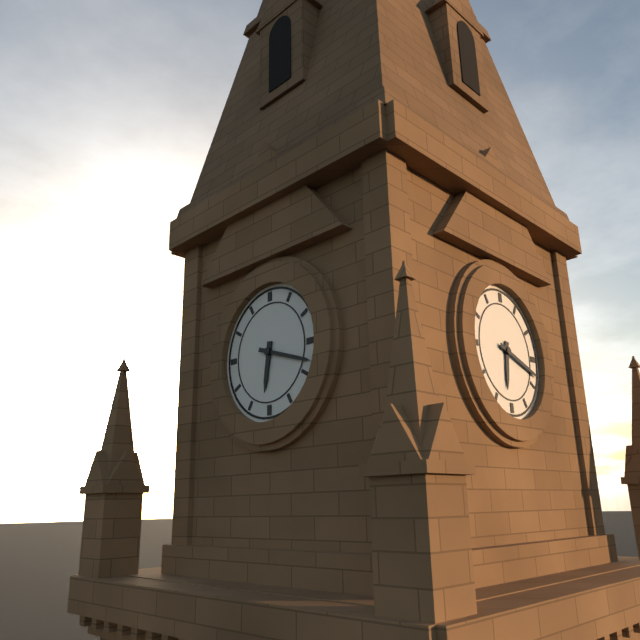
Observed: 6,18
